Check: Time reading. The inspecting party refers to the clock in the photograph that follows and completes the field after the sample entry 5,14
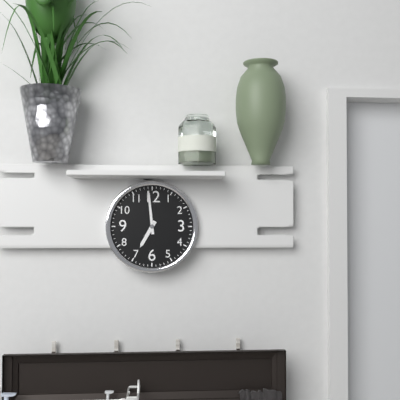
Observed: 6,59
